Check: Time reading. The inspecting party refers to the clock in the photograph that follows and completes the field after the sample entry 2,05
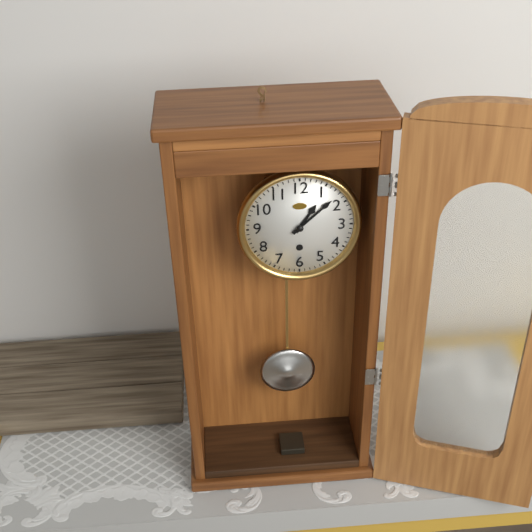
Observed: 1,08
